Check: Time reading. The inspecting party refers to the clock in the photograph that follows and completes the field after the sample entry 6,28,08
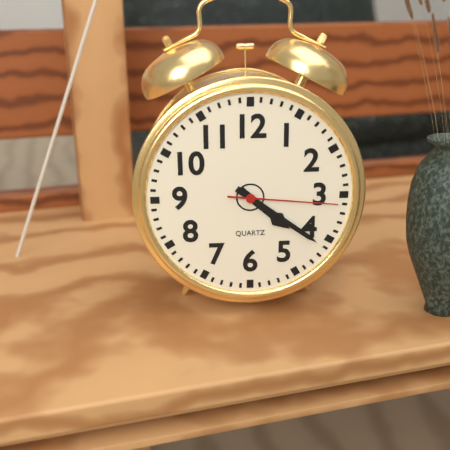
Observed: 4,21,16
